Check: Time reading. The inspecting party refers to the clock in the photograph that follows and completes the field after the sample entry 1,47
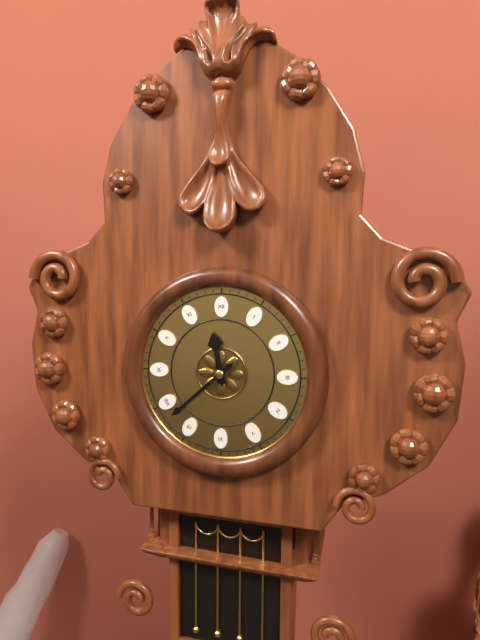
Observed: 11,38
